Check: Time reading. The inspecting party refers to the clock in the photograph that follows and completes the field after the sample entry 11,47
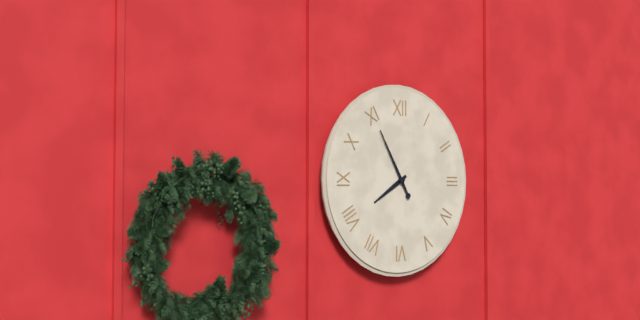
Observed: 7,55
